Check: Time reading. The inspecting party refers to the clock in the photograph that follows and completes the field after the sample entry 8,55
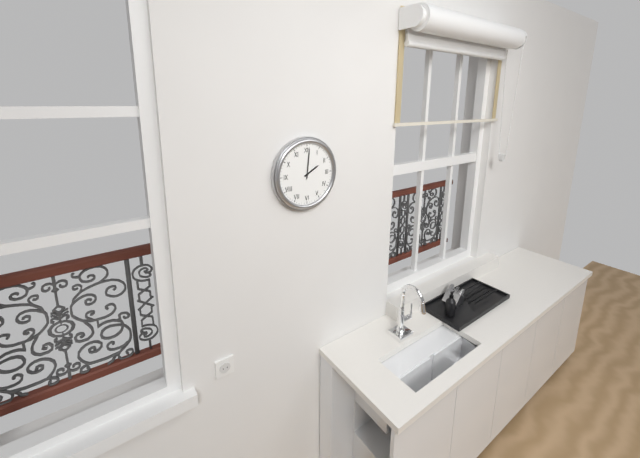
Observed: 2,01
